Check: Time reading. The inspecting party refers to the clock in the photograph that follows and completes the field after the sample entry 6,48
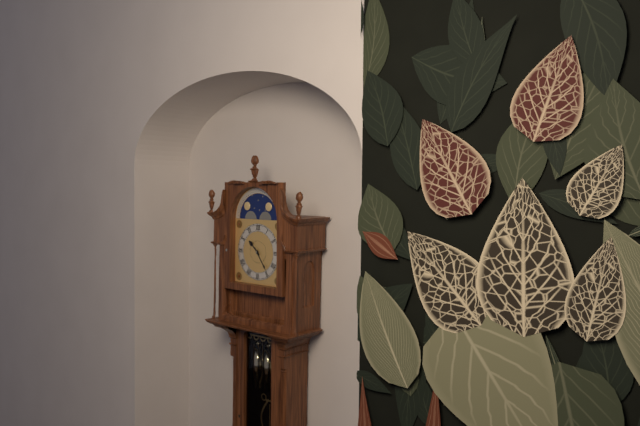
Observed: 10,24
